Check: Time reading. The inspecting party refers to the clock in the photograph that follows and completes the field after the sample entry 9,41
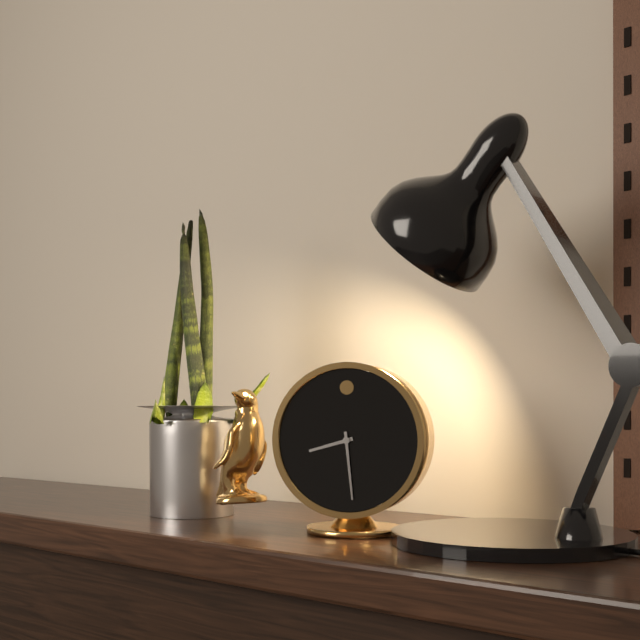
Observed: 8,29
